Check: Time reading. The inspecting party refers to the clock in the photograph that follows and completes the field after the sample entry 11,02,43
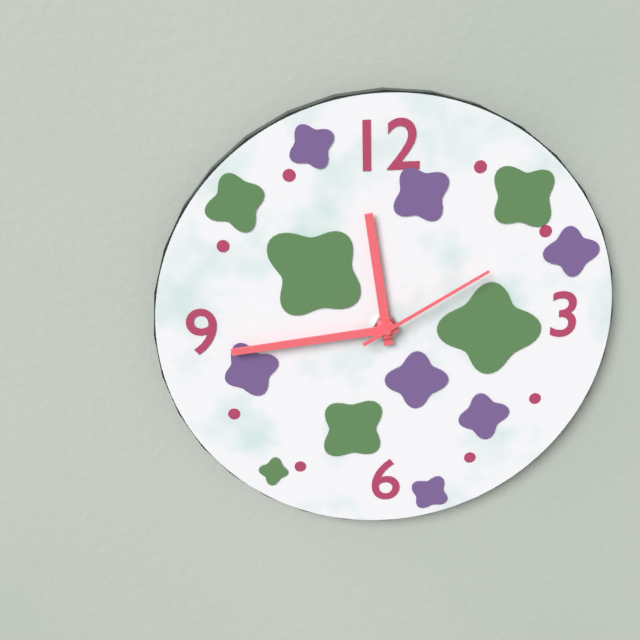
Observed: 11,44,10
